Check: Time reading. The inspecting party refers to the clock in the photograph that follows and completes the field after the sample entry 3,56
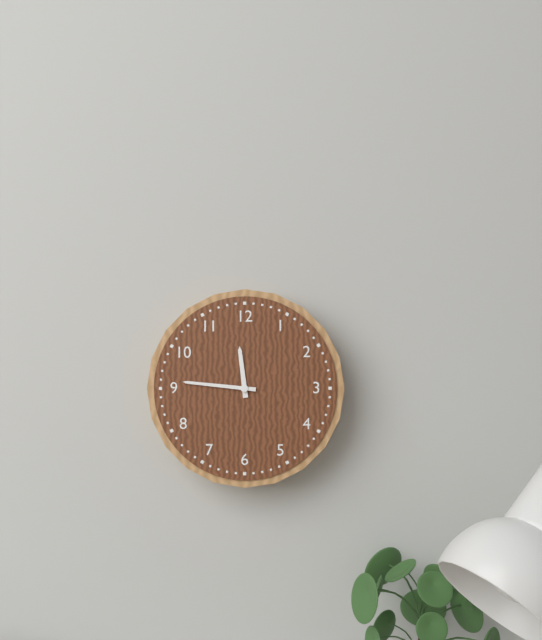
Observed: 11,46
